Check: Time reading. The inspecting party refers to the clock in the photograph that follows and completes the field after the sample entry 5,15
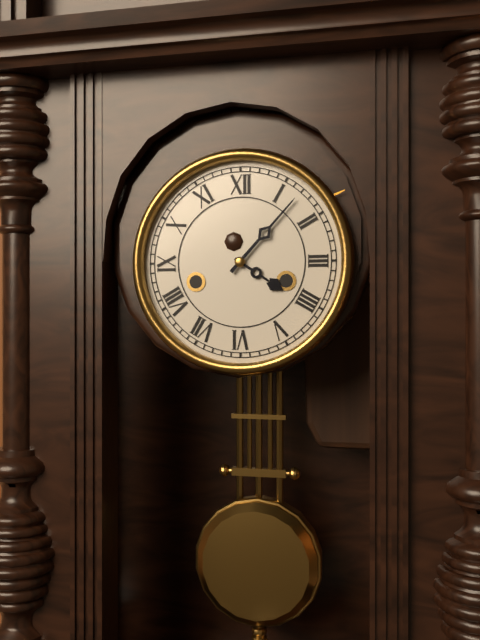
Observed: 4,07
